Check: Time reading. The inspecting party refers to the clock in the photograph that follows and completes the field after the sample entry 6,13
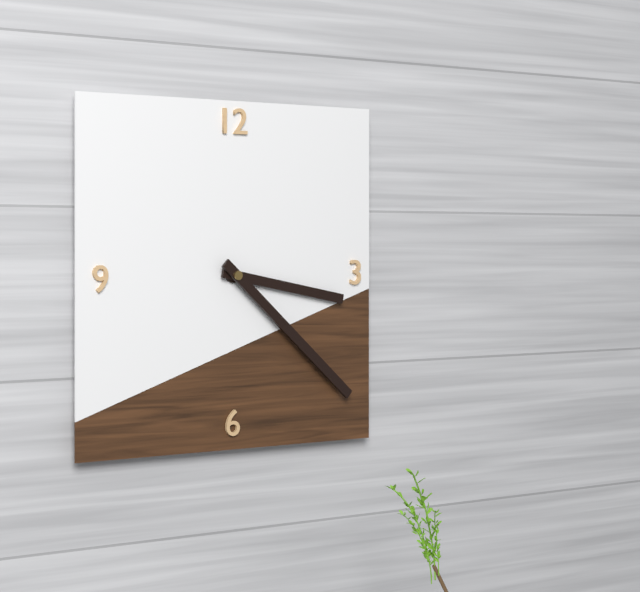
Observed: 3,22
